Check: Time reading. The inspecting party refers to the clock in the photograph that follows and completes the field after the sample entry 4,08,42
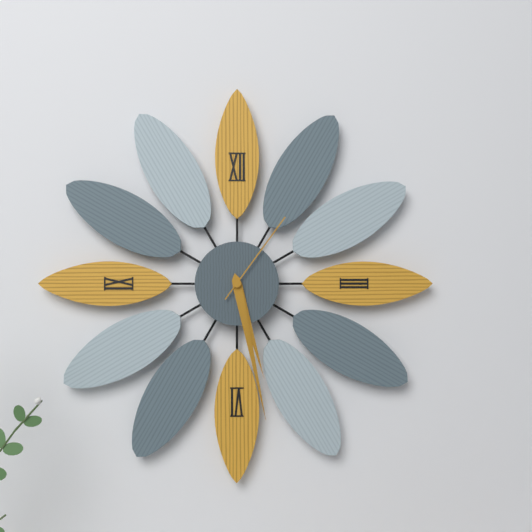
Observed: 5,28,06
